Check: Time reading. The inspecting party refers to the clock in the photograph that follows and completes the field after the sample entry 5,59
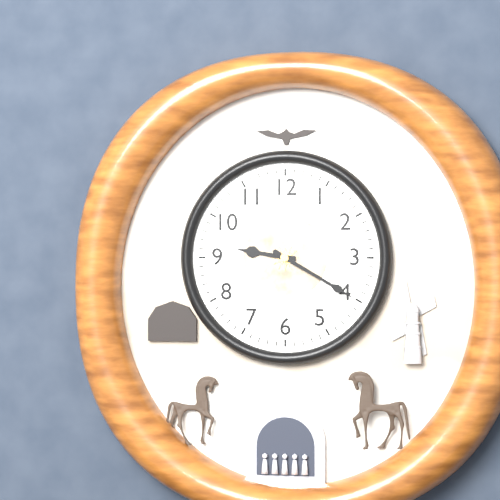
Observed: 9,20
